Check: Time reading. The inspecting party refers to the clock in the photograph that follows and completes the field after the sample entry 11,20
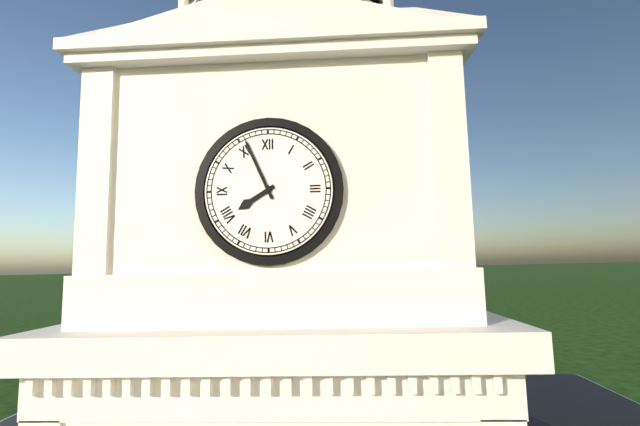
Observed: 7,56
